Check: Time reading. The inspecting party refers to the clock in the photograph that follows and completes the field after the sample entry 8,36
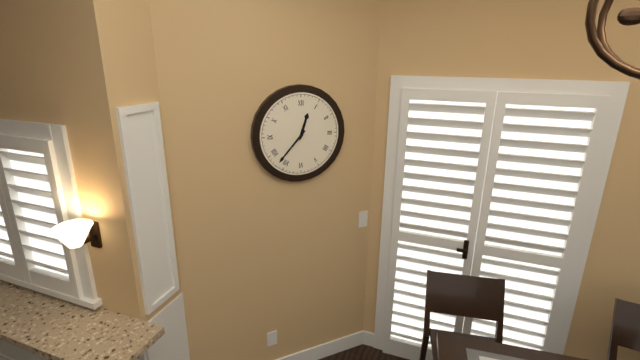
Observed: 12,37
